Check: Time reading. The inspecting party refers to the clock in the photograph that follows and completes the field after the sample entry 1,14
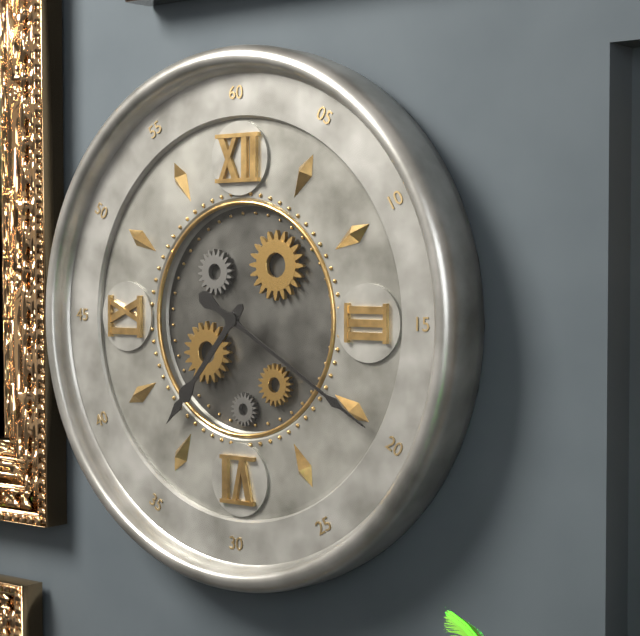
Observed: 7,20
